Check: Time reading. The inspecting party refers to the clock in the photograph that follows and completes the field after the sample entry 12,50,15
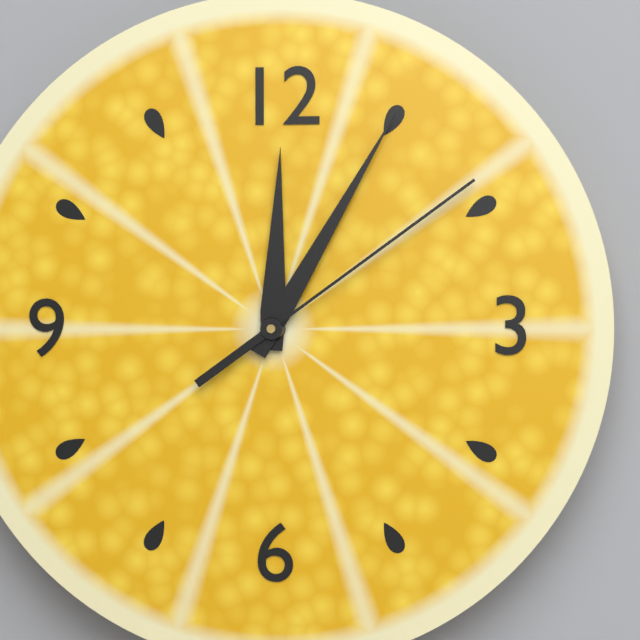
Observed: 12,05,09
